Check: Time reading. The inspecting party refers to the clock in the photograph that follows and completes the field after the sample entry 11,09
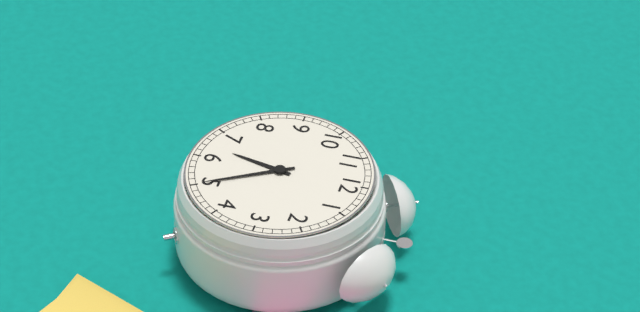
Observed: 6,25
